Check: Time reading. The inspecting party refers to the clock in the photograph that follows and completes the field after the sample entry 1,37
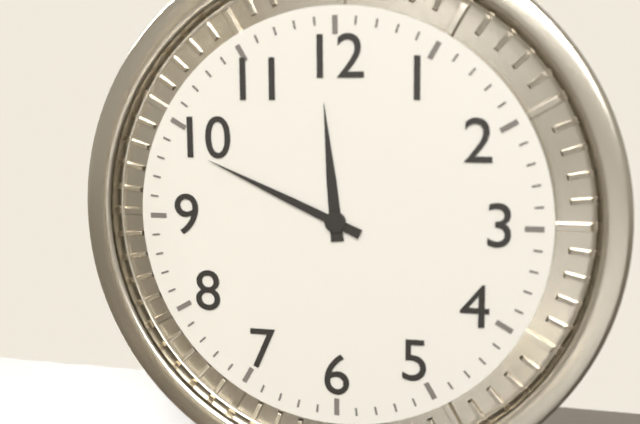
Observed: 11,49
